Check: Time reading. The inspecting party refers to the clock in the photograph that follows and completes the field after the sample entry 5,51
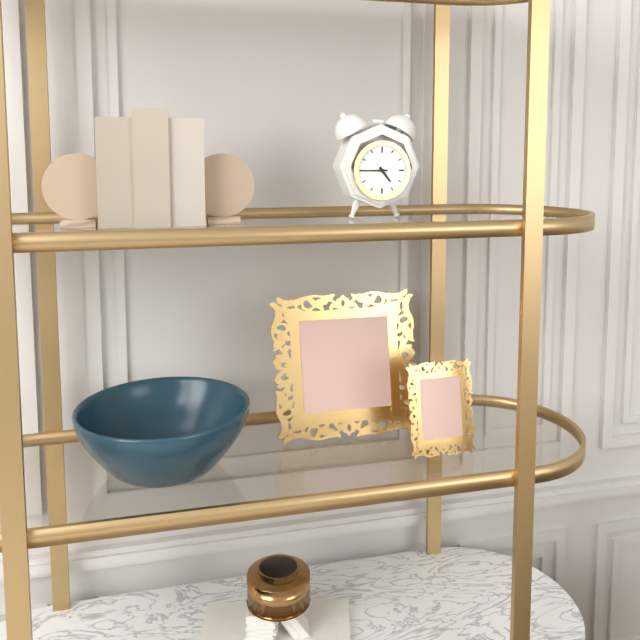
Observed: 4,45
